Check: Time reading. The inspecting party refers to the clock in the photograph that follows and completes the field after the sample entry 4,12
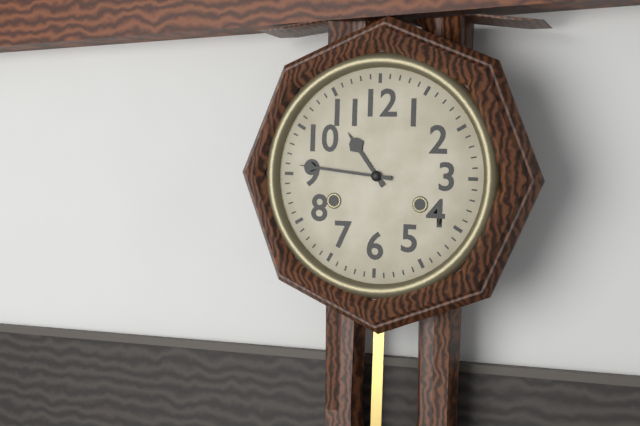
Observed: 10,46
